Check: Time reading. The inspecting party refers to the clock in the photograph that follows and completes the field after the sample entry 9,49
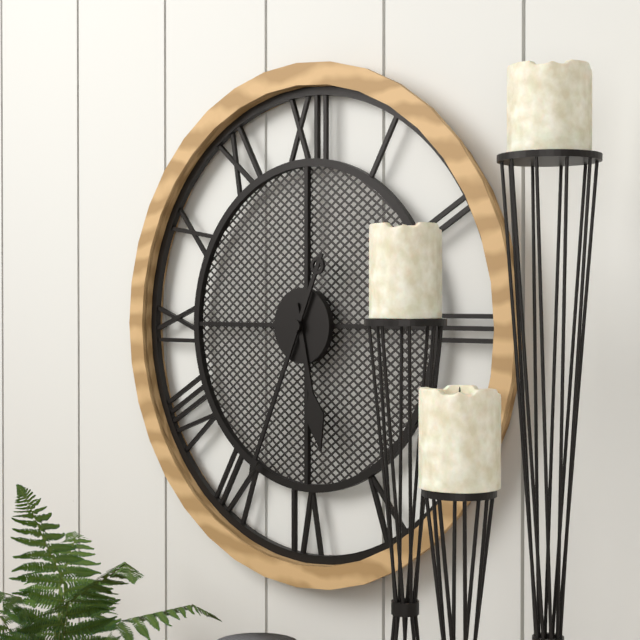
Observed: 5,34
